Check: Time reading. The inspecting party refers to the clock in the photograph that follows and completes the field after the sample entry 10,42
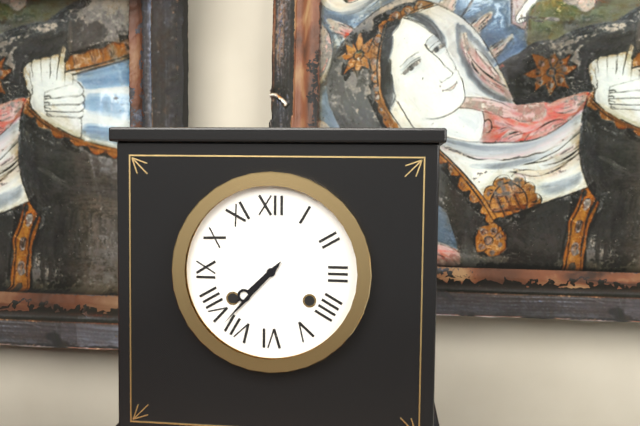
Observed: 7,37
